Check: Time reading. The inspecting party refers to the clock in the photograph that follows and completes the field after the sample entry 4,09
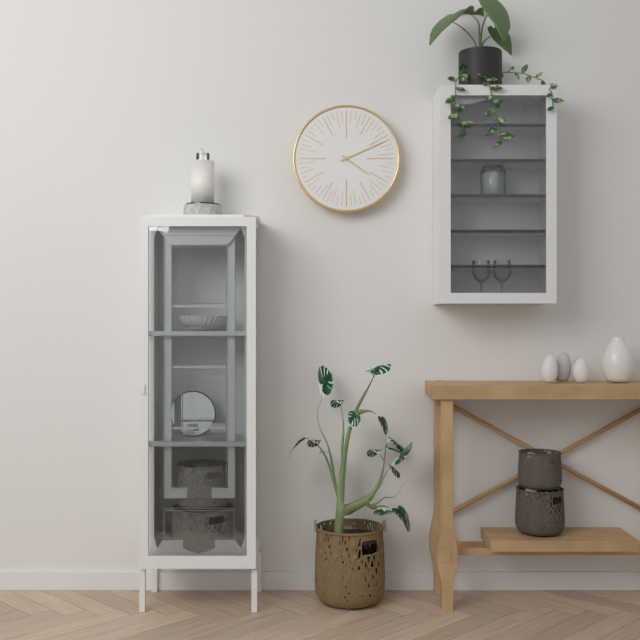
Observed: 4,11
